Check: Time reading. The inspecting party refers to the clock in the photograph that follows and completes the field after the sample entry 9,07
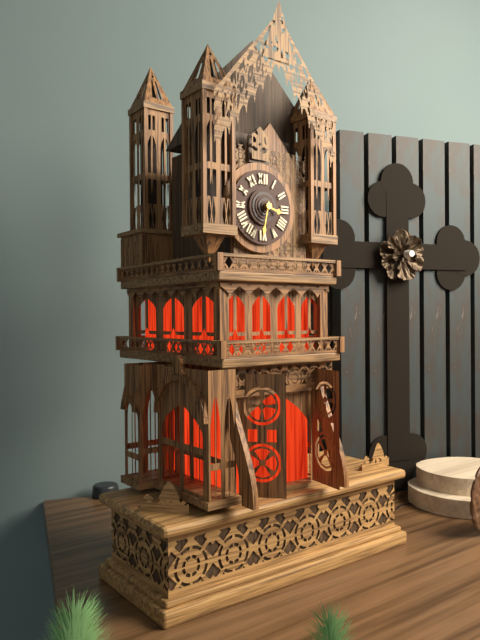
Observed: 3,32
